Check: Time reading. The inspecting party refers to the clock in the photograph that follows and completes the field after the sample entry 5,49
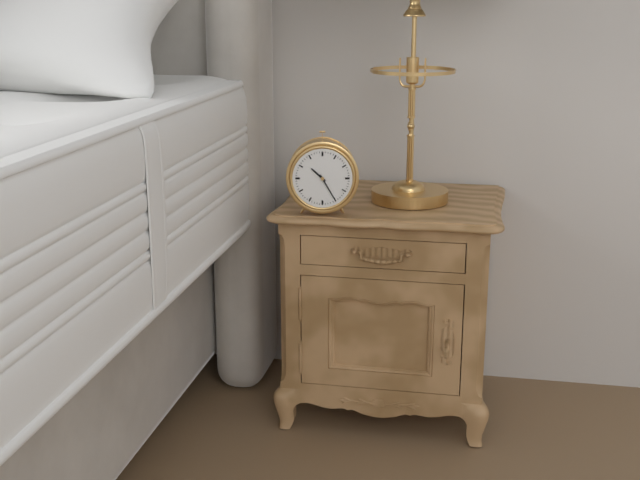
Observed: 10,25
